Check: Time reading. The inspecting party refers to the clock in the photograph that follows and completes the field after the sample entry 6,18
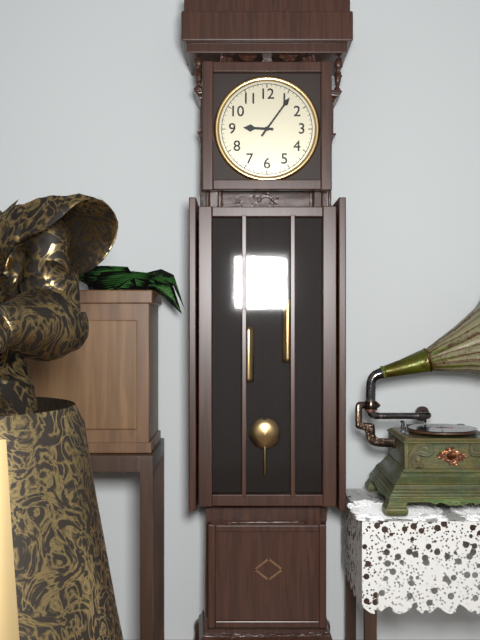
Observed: 9,06
